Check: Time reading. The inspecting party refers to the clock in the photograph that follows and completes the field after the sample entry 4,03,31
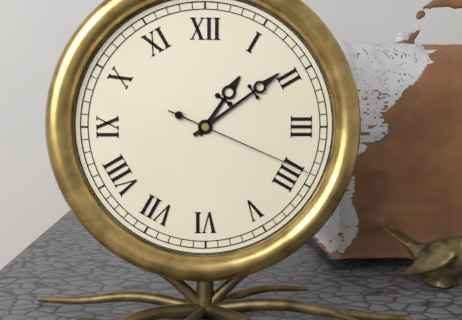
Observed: 1,09,19
